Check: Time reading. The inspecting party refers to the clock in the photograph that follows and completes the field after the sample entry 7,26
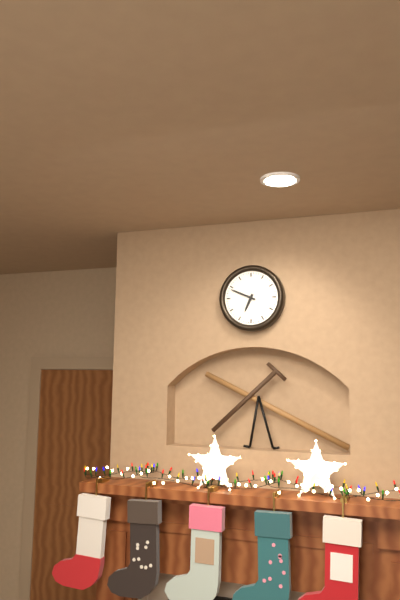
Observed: 6,49
